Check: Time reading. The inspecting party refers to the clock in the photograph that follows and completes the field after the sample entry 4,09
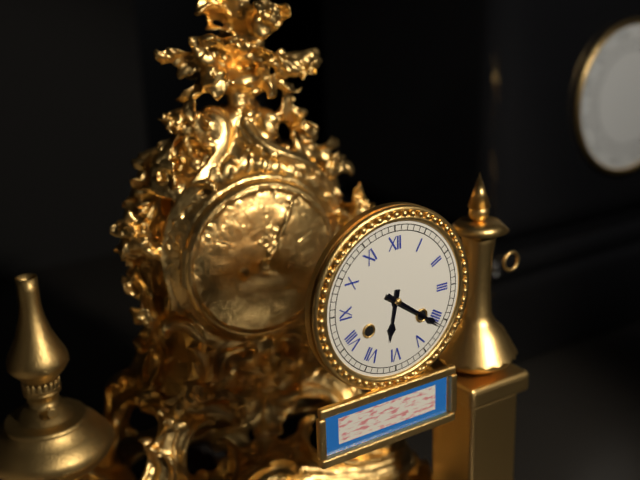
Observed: 6,21
